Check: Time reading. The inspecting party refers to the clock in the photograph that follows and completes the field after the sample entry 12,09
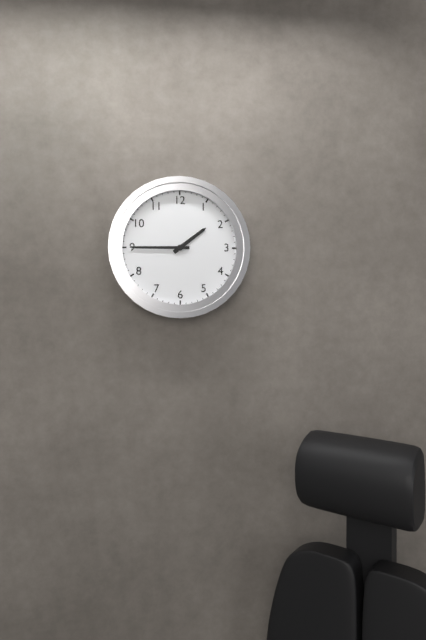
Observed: 1,45
